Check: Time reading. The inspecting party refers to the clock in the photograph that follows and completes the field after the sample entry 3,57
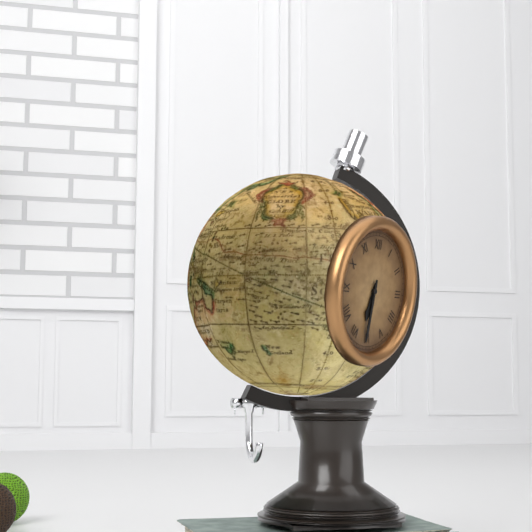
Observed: 6,31
